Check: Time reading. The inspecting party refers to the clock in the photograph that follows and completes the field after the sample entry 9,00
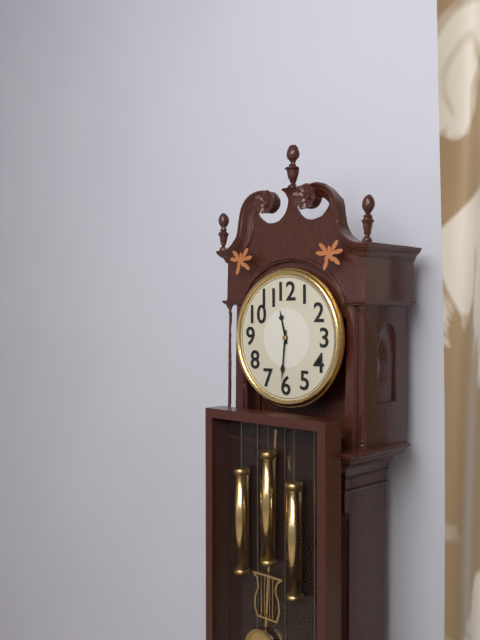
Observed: 11,31
